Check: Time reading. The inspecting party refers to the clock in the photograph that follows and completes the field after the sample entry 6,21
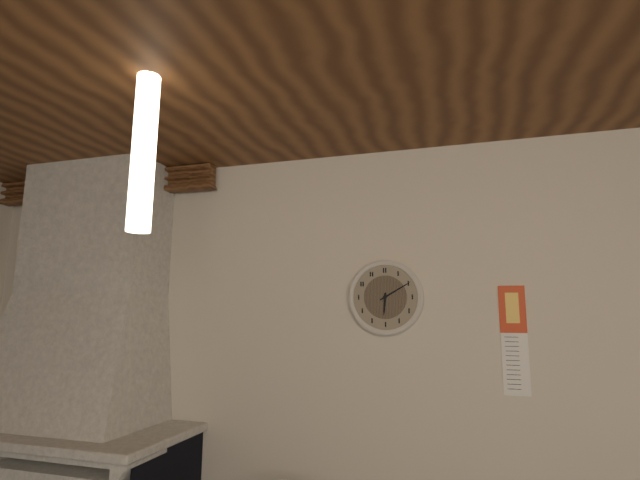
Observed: 6,10
